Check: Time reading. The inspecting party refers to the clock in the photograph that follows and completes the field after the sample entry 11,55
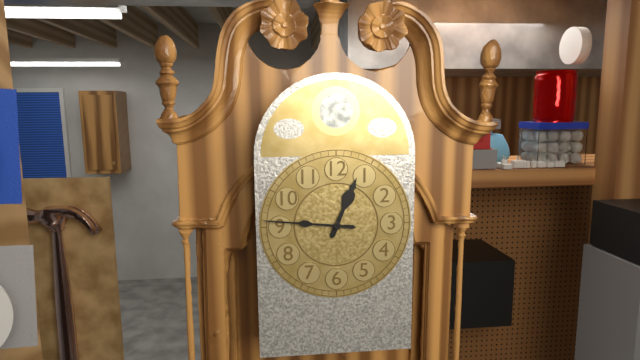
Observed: 12,46
